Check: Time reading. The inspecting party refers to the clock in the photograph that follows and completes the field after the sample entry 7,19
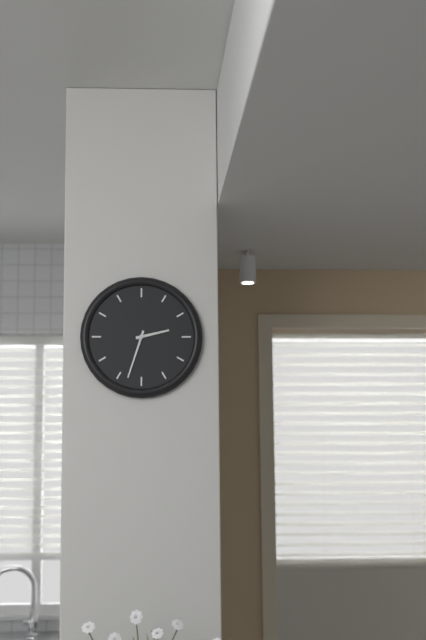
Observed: 2,33
